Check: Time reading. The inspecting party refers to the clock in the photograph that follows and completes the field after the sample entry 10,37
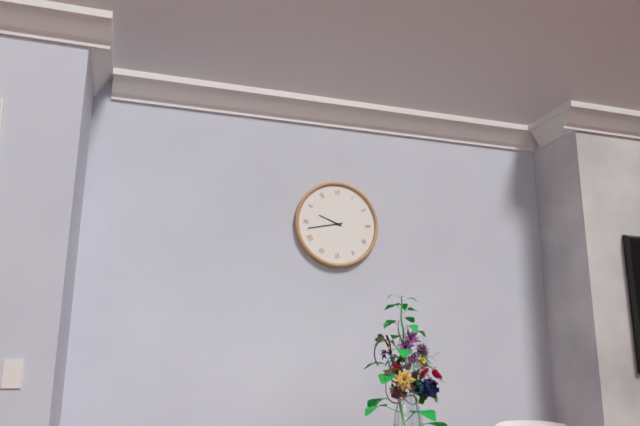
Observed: 9,43
